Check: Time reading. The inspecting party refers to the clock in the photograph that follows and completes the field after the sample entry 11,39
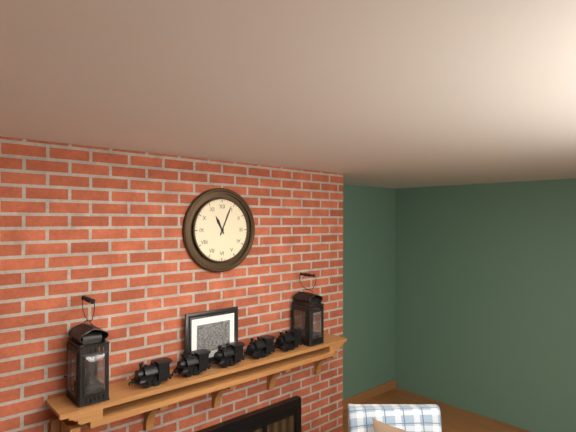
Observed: 11,04
